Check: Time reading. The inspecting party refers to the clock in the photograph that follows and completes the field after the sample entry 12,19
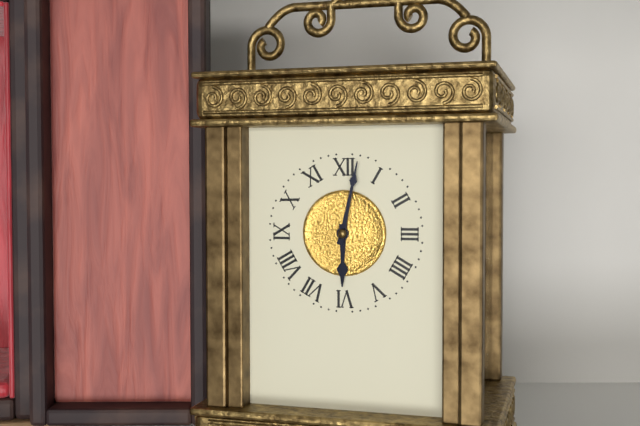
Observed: 6,02
